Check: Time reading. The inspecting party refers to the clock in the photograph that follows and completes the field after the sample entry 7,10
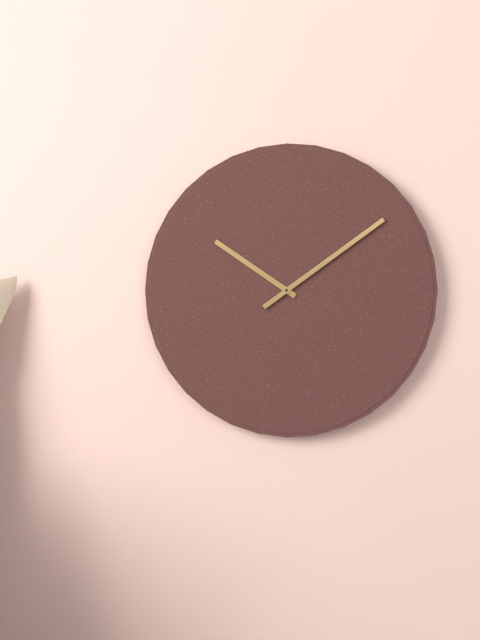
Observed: 10,09
